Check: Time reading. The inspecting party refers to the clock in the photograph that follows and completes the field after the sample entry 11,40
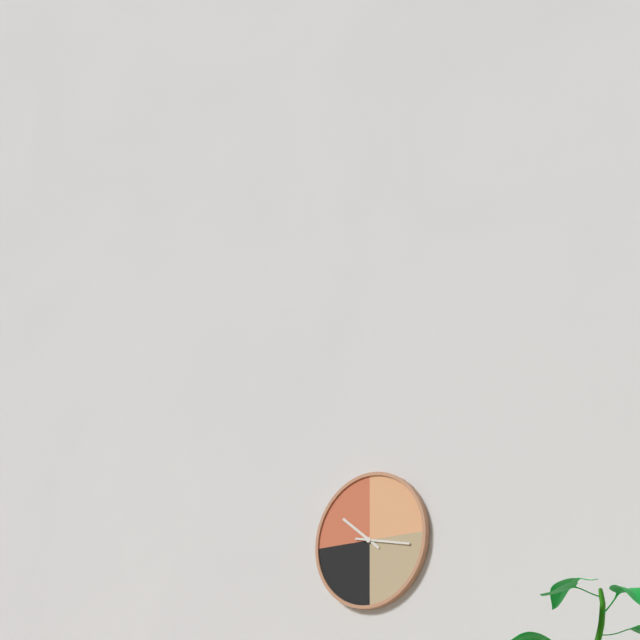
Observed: 10,17
